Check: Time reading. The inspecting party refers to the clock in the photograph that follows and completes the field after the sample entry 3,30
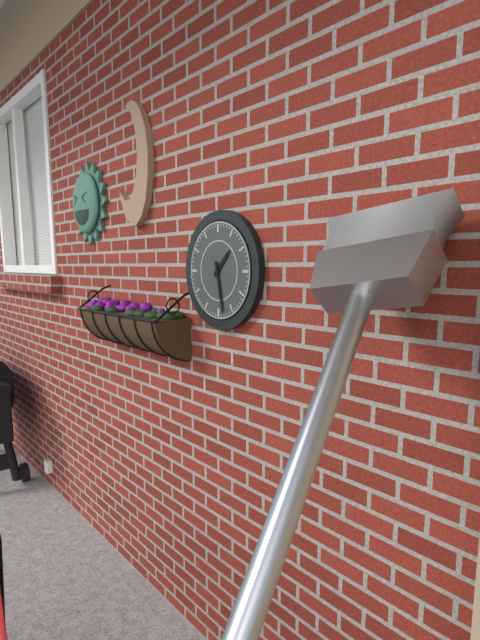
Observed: 1,28
